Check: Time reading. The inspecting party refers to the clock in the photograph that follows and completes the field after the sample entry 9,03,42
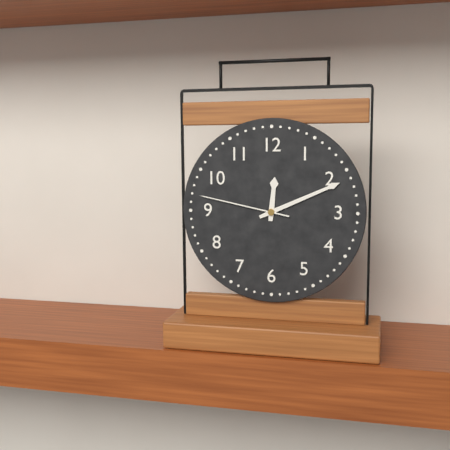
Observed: 12,11,47
